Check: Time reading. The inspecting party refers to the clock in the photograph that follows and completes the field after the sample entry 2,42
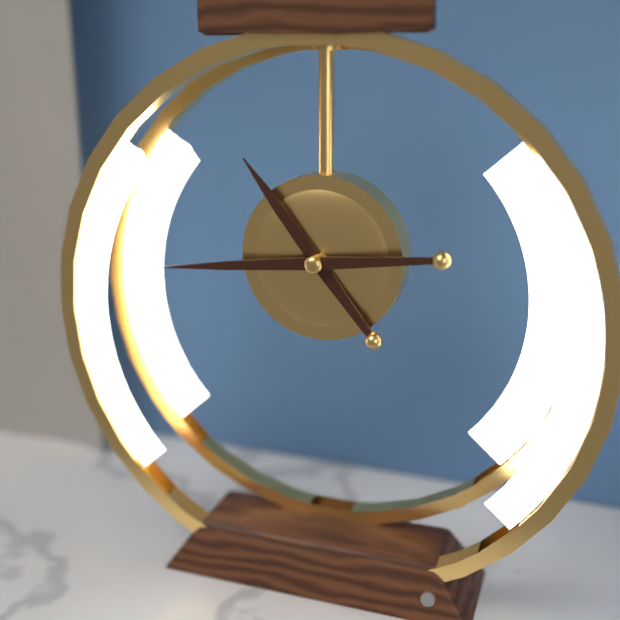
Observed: 10,44
